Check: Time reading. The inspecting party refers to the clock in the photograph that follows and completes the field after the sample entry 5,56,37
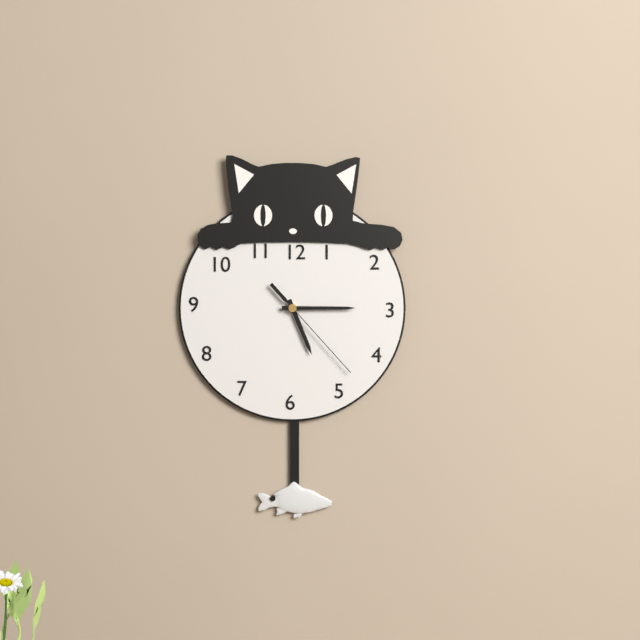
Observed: 5,15,23
